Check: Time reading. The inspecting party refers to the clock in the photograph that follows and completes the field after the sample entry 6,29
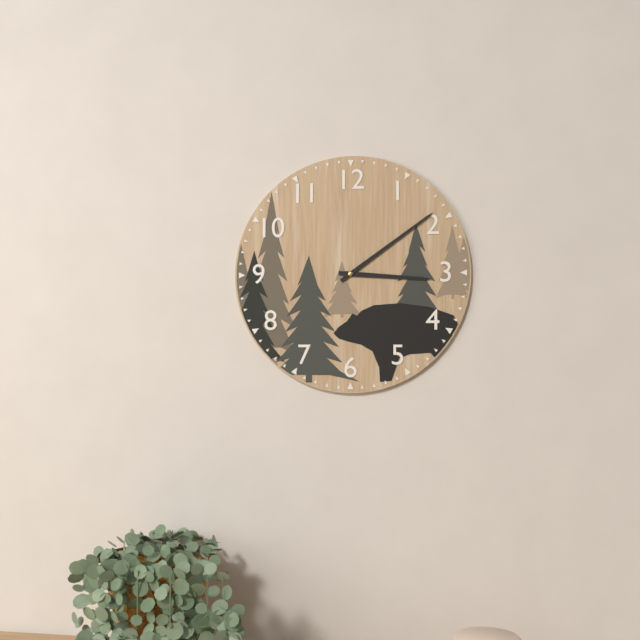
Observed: 3,09
